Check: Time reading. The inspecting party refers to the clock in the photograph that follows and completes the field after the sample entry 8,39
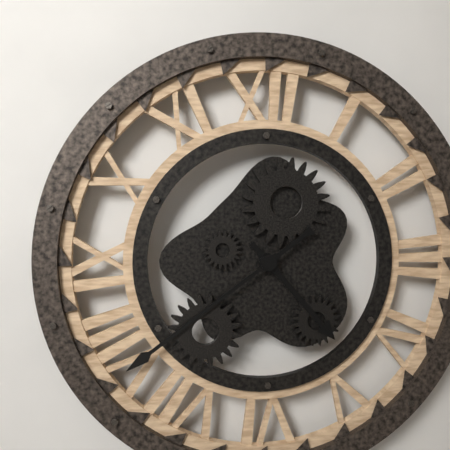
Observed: 4,39
